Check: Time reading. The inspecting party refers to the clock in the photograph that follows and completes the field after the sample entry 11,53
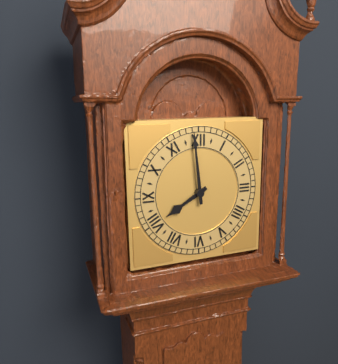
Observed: 7,59
